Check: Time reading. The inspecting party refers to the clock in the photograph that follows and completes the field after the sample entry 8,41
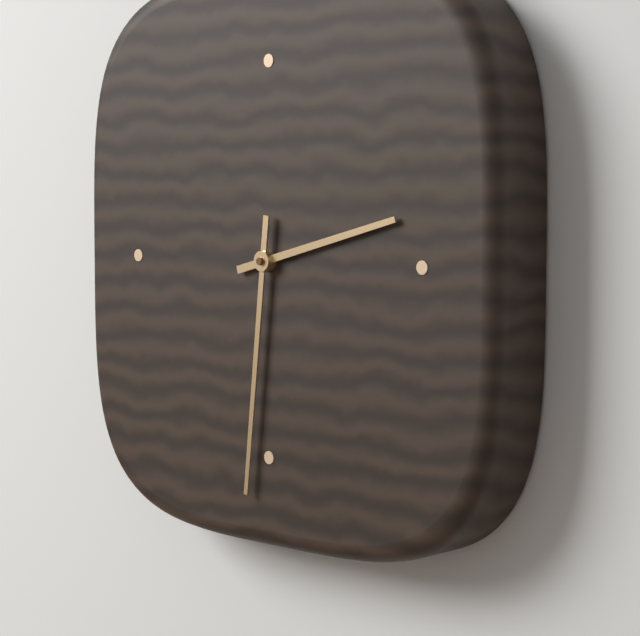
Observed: 2,31
